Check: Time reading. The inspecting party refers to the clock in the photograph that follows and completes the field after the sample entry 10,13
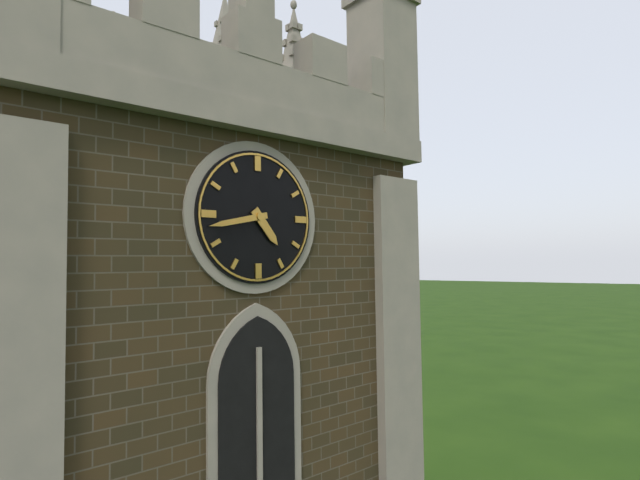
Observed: 4,43
